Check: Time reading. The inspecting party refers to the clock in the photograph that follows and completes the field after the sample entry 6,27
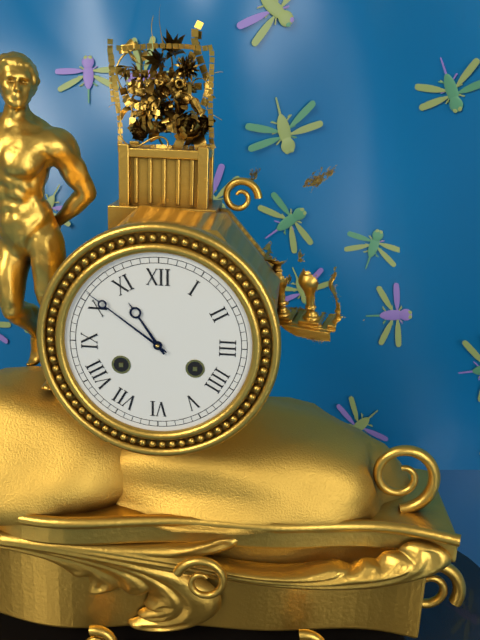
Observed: 10,51
